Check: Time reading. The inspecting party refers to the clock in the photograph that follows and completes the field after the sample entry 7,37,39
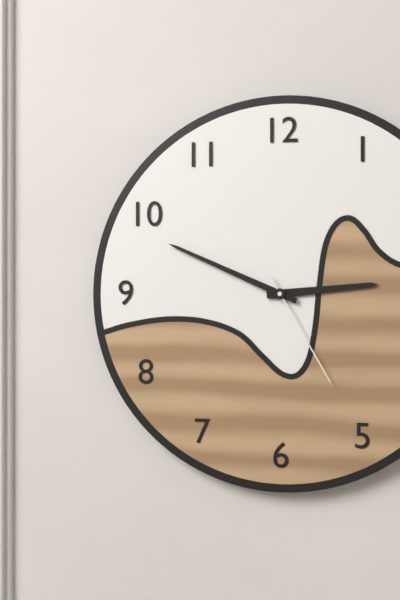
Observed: 2,49,25
